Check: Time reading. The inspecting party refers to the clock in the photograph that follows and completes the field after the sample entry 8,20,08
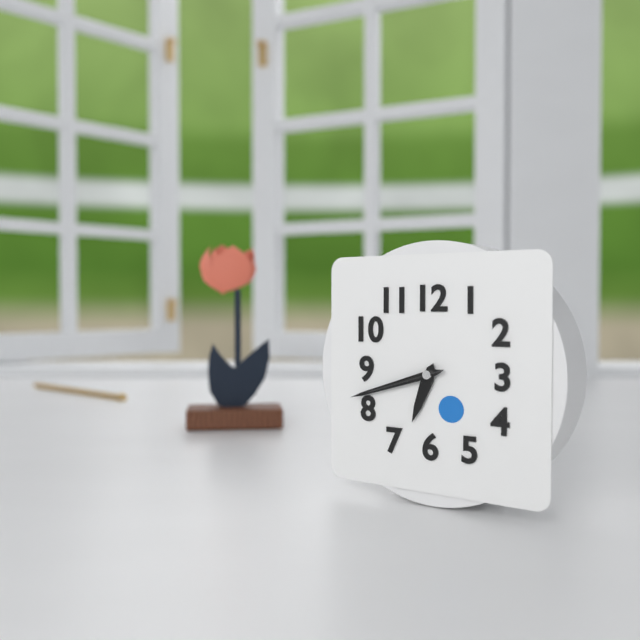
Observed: 6,42,42
